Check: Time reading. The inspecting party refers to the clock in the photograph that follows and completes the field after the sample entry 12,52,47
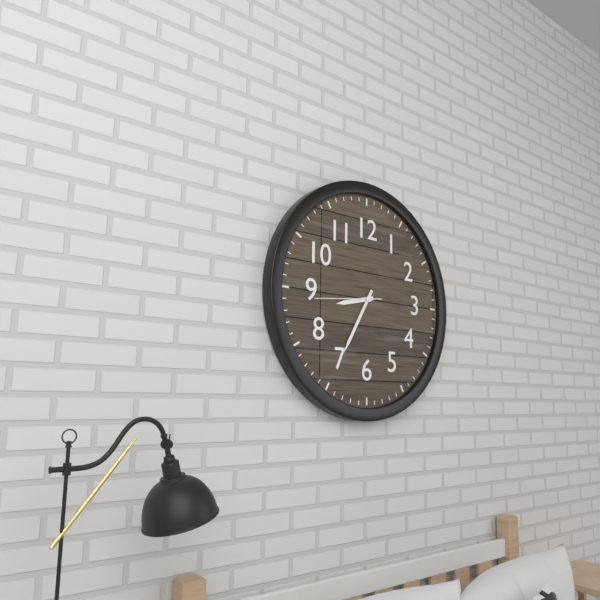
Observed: 8,35,44
